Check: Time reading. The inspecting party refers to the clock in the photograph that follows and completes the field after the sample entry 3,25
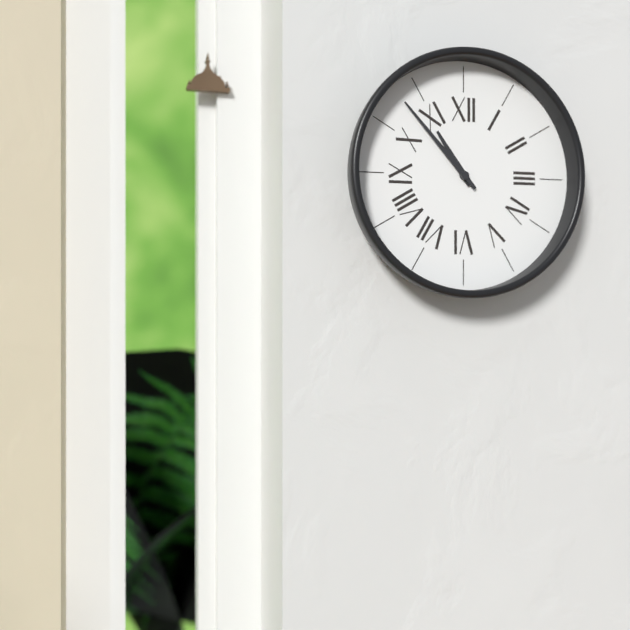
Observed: 10,53
